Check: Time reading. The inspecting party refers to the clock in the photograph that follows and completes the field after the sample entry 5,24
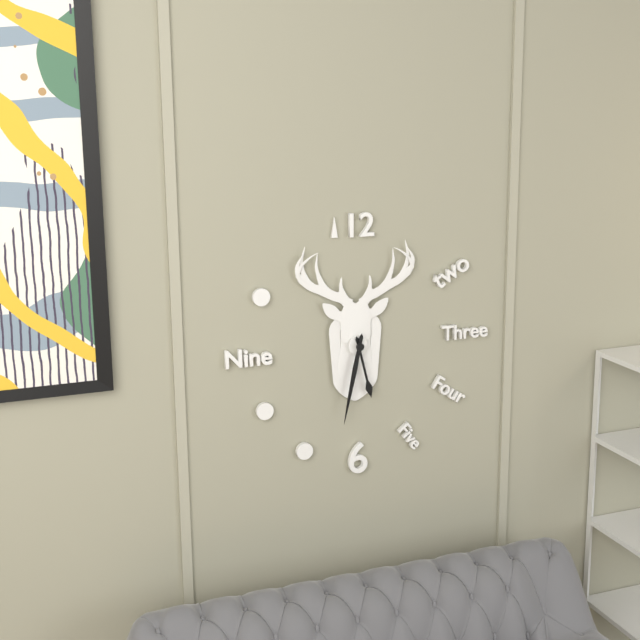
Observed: 5,32
